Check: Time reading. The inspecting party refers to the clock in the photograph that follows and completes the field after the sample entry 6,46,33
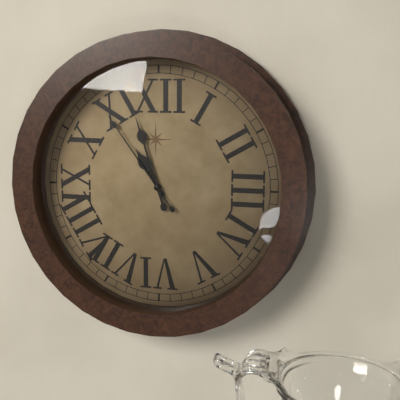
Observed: 10,57,54
